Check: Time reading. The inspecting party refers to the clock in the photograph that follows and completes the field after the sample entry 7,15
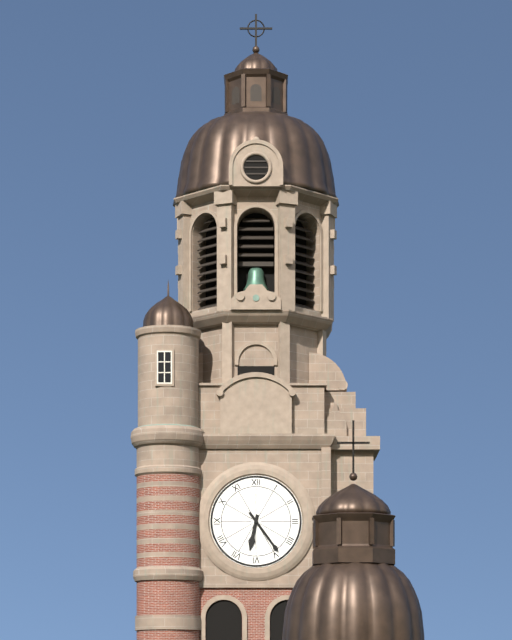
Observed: 6,24
